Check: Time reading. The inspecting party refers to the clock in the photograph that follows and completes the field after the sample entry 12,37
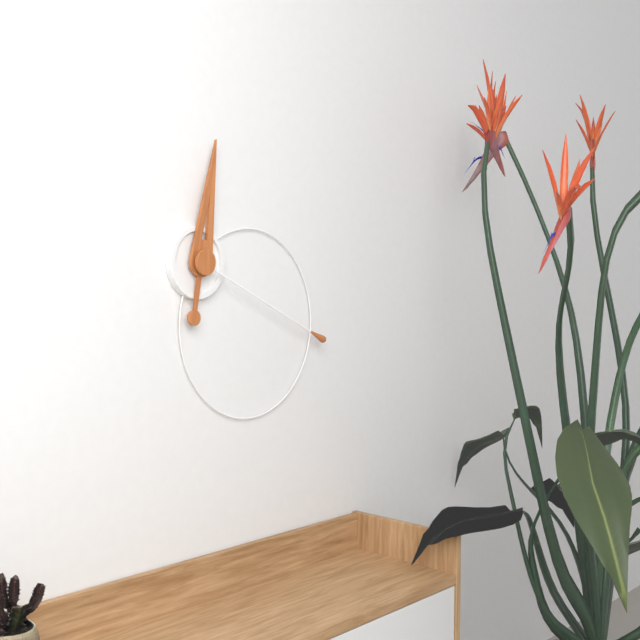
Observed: 12,19
